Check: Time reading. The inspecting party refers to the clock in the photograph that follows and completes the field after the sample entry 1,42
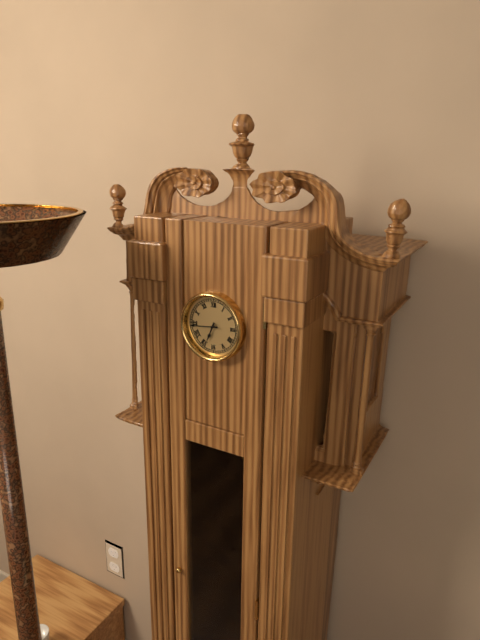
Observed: 6,44
